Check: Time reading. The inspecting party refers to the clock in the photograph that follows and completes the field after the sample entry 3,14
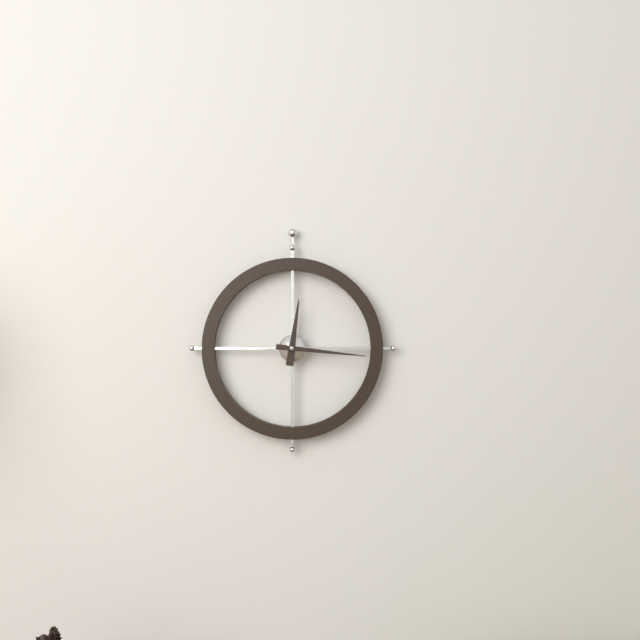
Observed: 12,16
